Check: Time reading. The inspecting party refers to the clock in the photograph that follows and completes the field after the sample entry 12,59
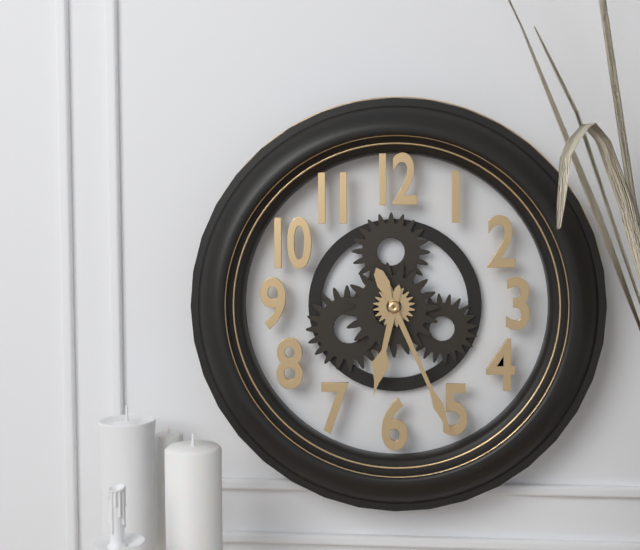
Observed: 6,26
